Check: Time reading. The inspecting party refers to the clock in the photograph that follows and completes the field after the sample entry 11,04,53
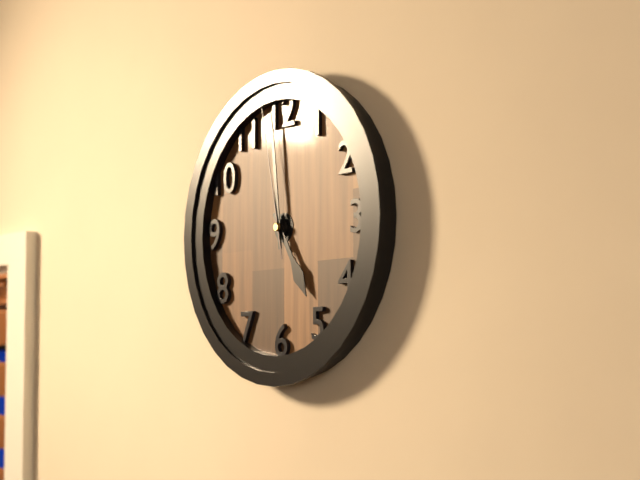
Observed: 4,59,58
